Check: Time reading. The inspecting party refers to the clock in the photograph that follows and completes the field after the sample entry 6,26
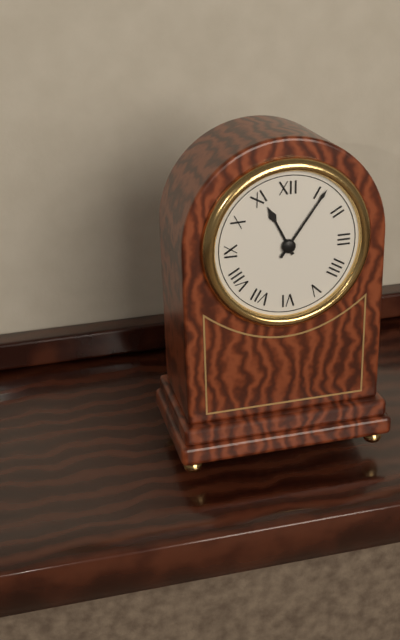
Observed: 11,06
